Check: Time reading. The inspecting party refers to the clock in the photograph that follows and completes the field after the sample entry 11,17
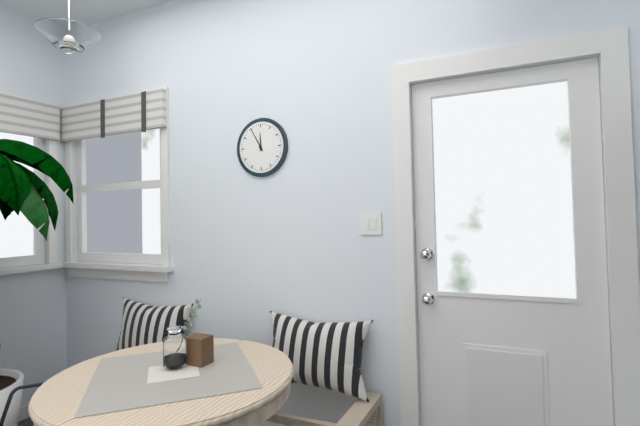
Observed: 11,55
